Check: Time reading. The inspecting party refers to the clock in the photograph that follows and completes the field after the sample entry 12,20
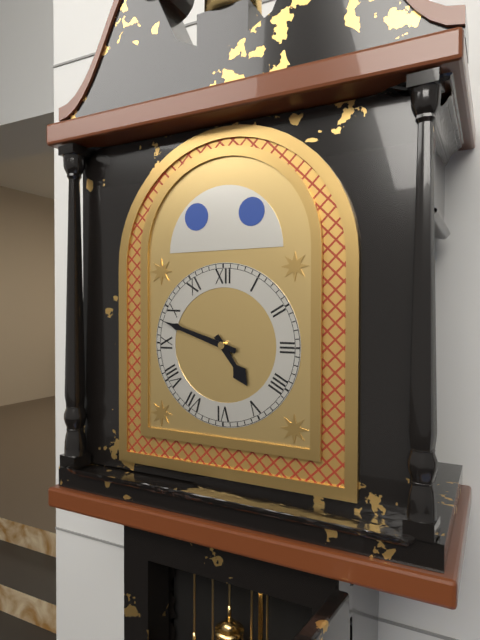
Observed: 4,48
